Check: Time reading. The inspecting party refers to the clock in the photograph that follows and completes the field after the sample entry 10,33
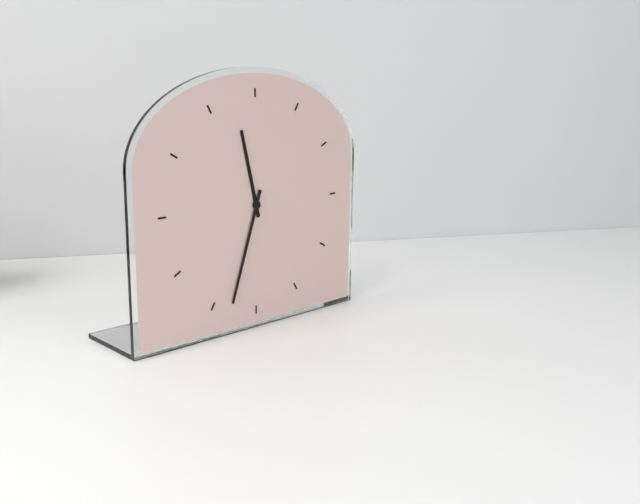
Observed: 11,33
